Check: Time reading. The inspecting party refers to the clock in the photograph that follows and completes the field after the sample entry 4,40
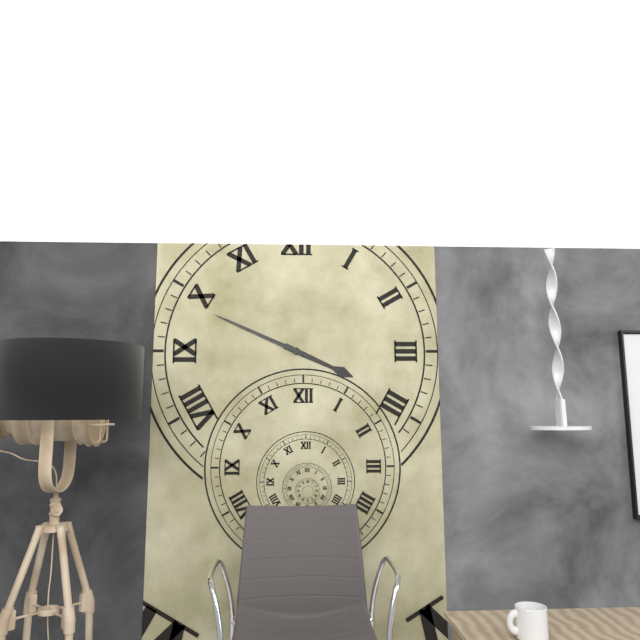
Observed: 3,49
